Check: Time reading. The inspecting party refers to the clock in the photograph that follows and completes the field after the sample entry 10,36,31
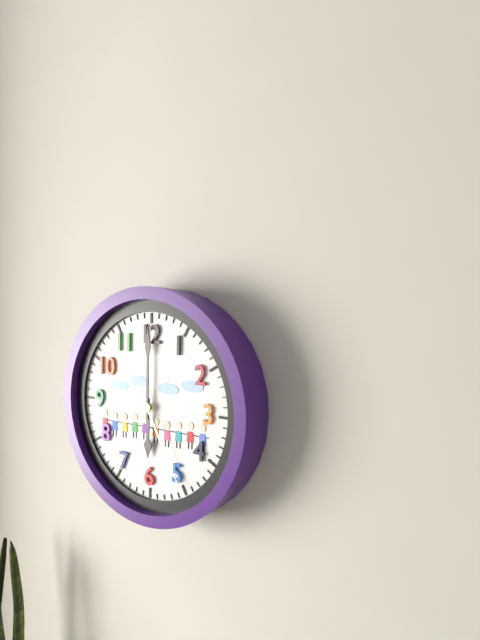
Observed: 6,00,25
